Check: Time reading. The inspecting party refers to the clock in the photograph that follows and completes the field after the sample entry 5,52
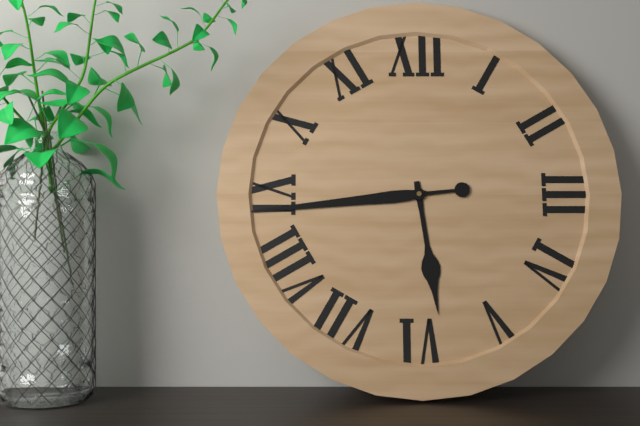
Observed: 5,44
